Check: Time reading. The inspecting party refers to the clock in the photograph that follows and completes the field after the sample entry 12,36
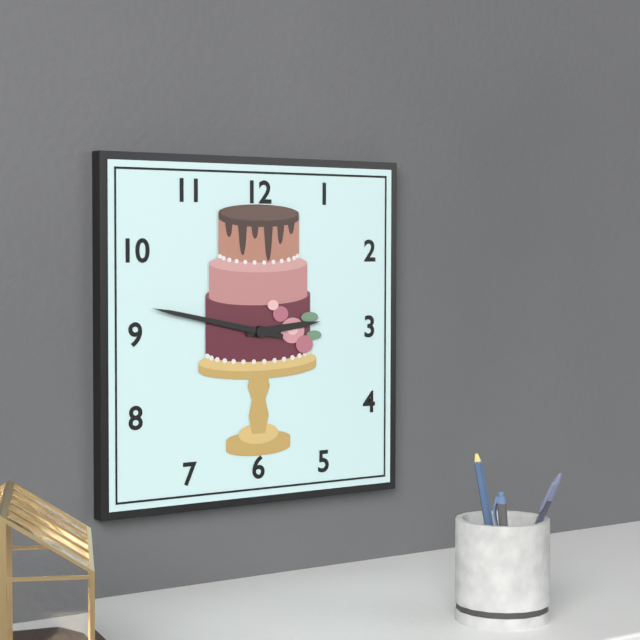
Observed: 2,47
